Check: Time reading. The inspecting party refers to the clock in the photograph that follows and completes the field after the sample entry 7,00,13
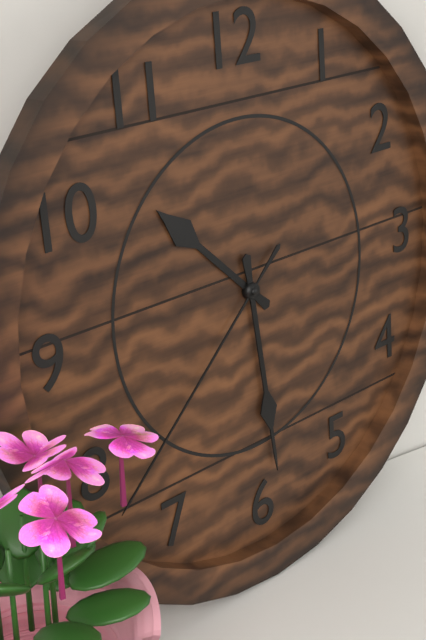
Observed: 10,29,38
